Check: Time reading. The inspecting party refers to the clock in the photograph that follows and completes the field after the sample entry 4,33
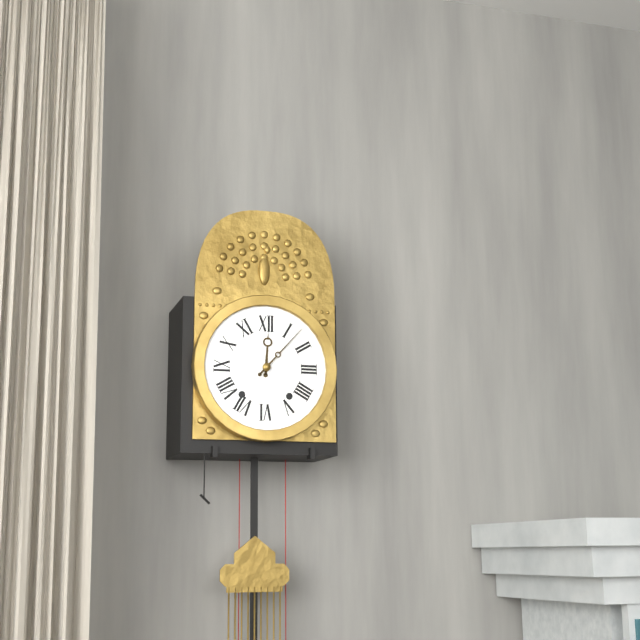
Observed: 12,07
